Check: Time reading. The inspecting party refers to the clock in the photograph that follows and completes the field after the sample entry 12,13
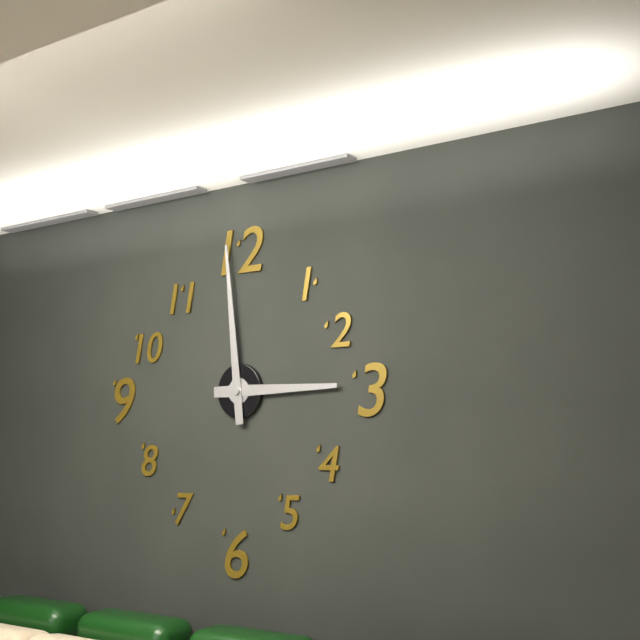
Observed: 2,59
